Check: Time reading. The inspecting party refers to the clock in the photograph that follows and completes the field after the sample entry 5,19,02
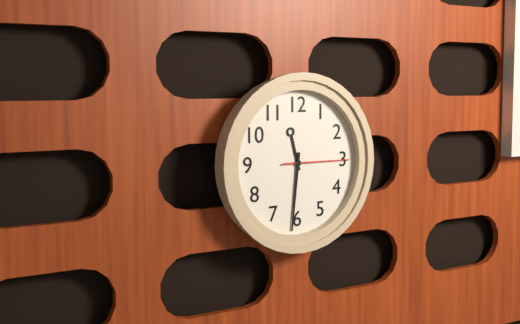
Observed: 11,31,15
